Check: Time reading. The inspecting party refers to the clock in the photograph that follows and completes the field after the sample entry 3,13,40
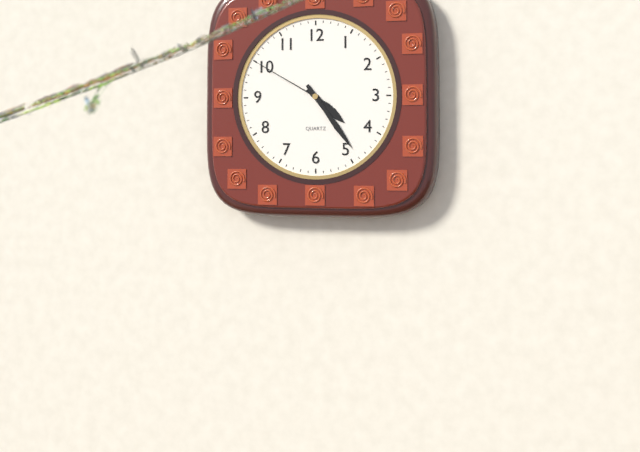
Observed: 4,24,50
